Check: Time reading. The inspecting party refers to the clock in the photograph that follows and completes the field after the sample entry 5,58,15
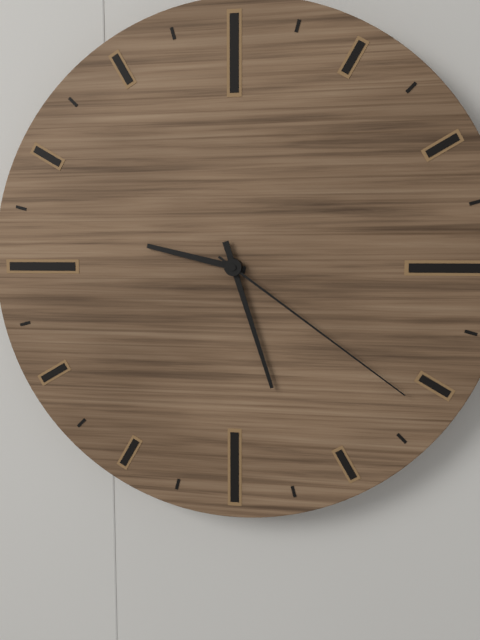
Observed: 9,27,21
